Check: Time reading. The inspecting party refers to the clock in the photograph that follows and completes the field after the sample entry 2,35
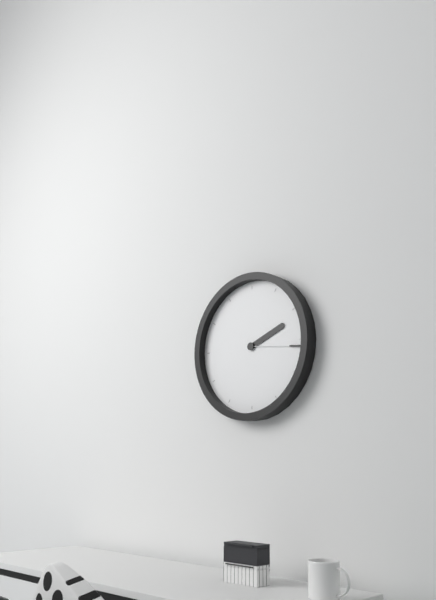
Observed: 2,16
